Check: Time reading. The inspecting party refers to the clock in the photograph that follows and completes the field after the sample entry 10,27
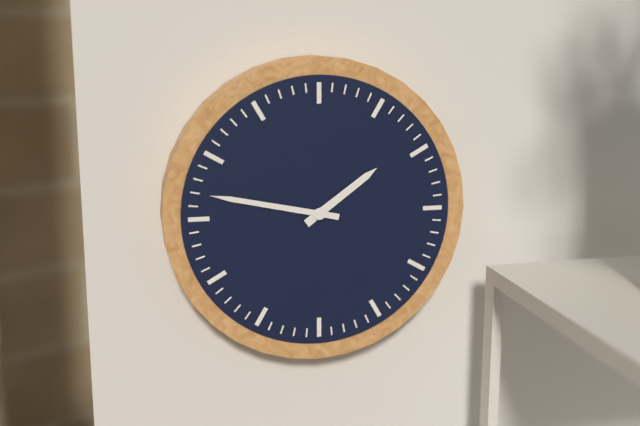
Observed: 1,47
